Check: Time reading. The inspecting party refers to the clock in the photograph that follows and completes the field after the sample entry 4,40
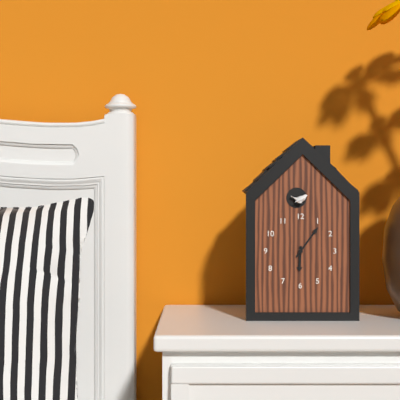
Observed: 6,06
